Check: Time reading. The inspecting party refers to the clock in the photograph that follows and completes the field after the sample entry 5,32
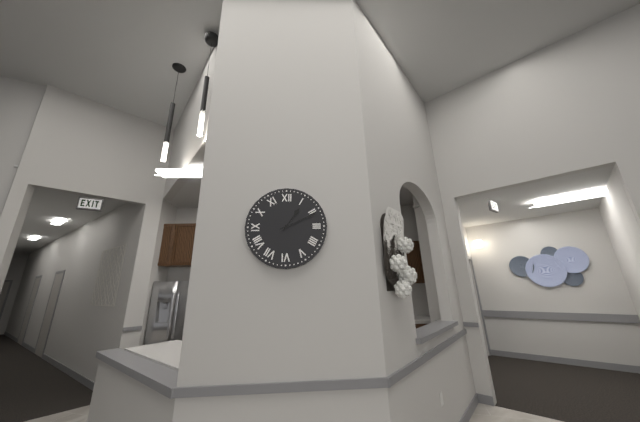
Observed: 1,11
